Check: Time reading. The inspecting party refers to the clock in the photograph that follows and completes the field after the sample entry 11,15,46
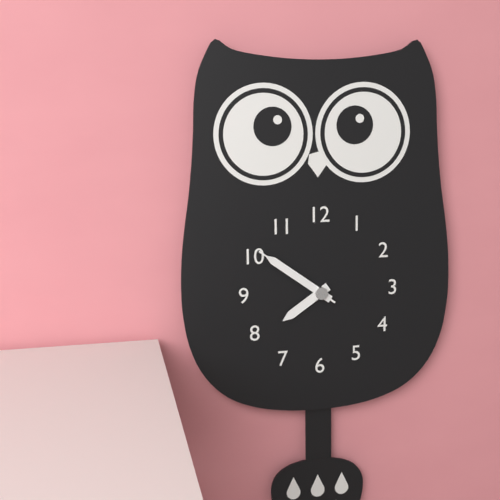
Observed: 7,51,51
